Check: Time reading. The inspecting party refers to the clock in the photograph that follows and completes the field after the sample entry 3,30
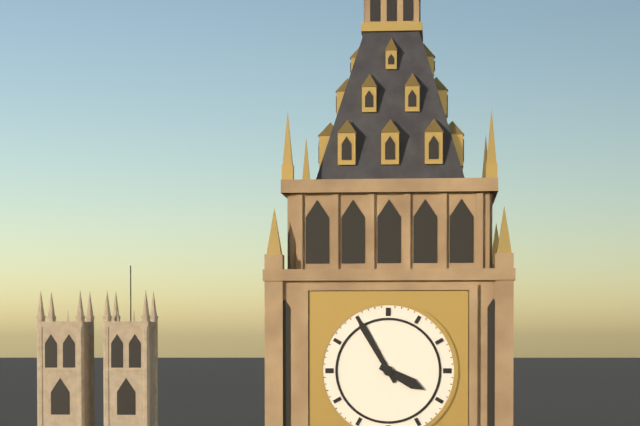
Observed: 3,55
